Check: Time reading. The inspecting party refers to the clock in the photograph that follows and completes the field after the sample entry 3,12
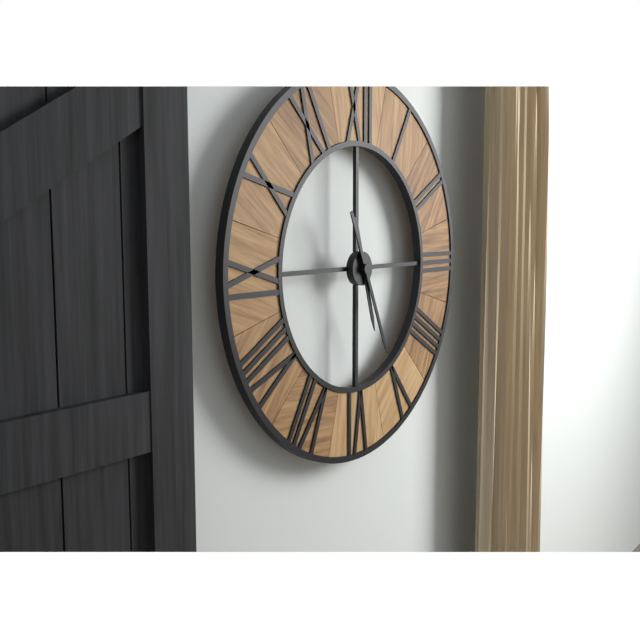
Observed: 5,26
